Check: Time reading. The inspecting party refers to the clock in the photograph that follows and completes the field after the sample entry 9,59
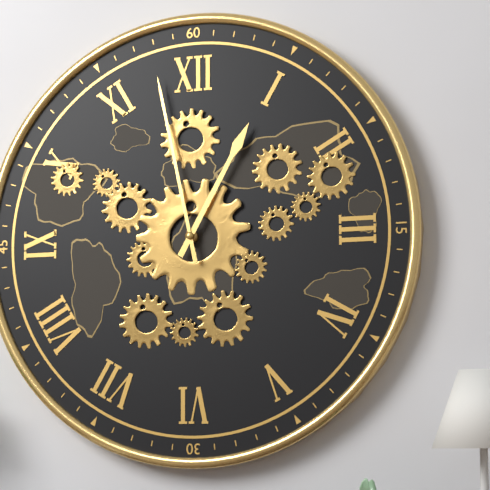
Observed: 12,58
